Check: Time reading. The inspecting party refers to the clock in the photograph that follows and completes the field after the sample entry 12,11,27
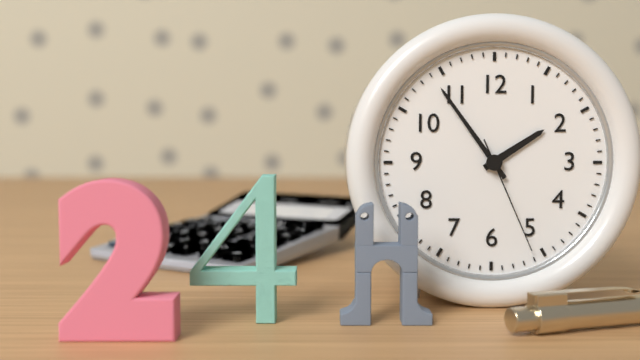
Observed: 1,54,26
